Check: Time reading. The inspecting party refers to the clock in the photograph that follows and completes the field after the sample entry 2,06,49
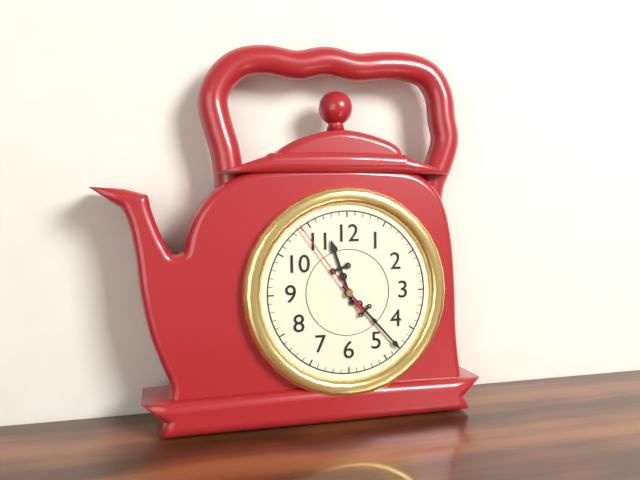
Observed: 11,23,54
